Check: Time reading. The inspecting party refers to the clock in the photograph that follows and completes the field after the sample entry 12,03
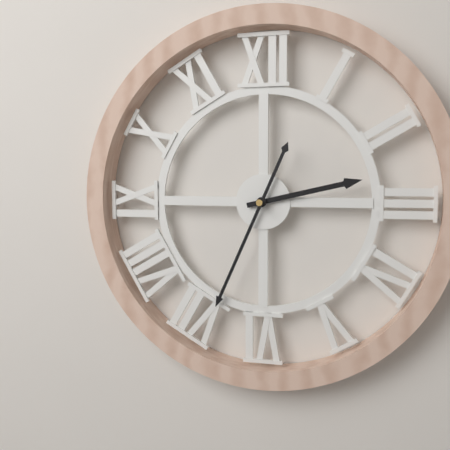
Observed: 2,34
